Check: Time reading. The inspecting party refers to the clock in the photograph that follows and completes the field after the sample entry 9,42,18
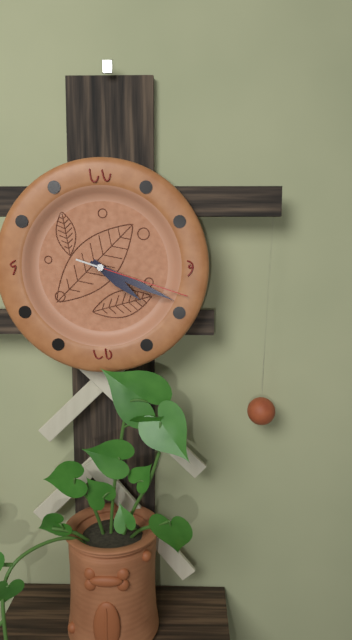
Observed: 4,19,18
